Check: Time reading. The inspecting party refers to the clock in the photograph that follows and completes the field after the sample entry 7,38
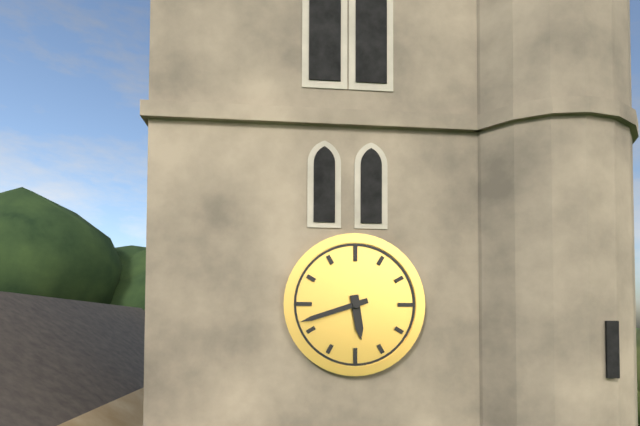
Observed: 5,42
